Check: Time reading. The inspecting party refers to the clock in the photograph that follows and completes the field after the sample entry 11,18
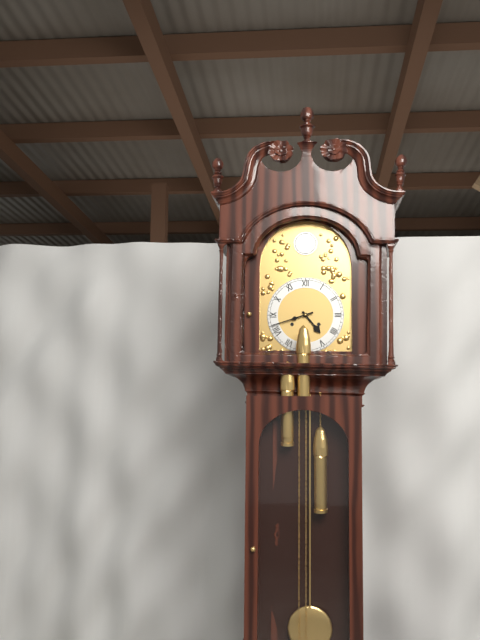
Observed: 4,42
